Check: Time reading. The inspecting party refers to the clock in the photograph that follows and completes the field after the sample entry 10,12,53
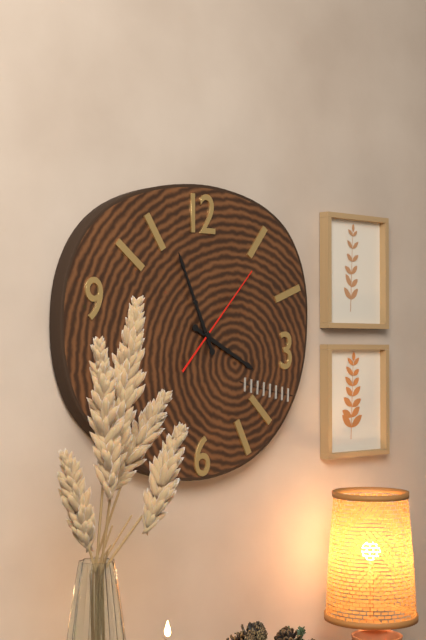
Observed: 3,56,07
